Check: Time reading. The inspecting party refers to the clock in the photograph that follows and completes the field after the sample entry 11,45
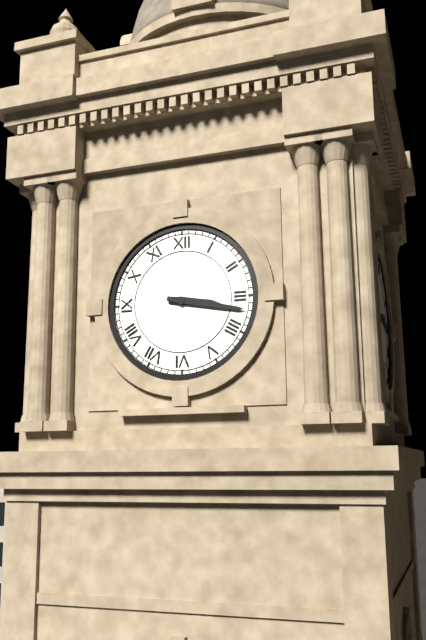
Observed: 3,17
